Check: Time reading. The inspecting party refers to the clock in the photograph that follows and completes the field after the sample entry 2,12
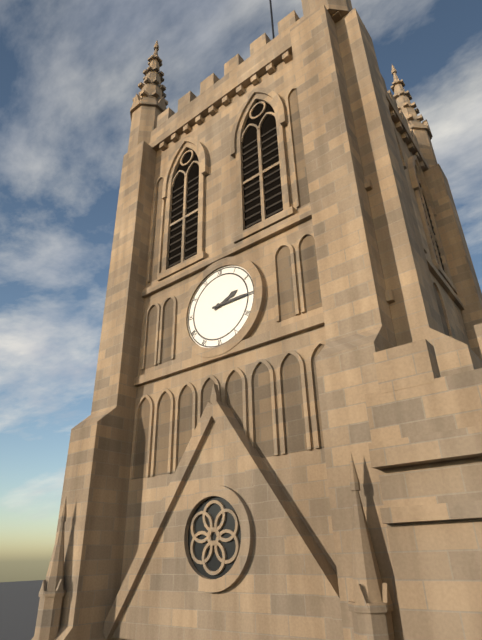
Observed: 2,15
